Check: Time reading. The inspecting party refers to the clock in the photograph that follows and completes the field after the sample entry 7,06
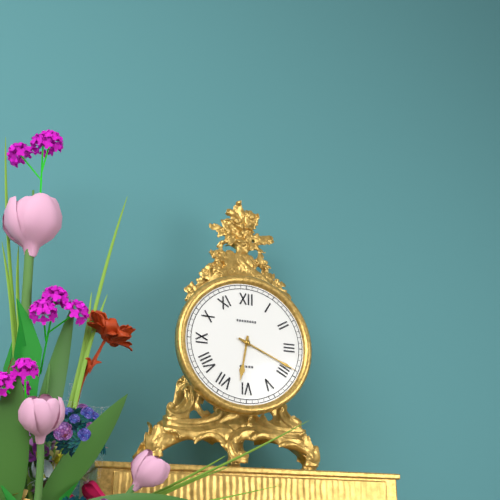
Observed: 6,19
